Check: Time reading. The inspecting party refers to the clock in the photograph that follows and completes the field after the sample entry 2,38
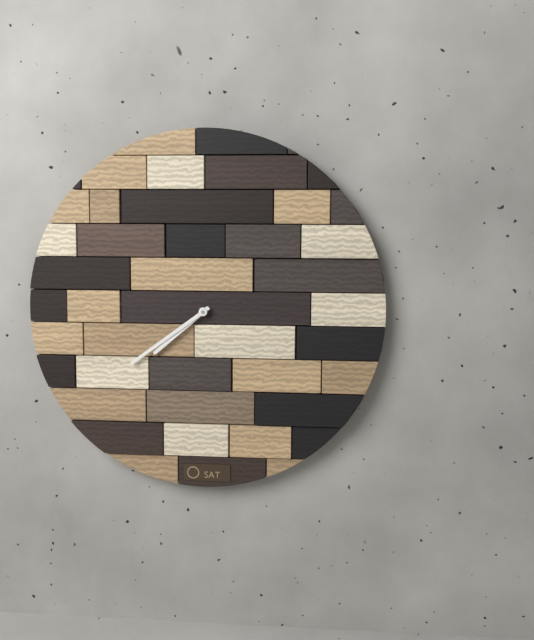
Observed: 7,39
